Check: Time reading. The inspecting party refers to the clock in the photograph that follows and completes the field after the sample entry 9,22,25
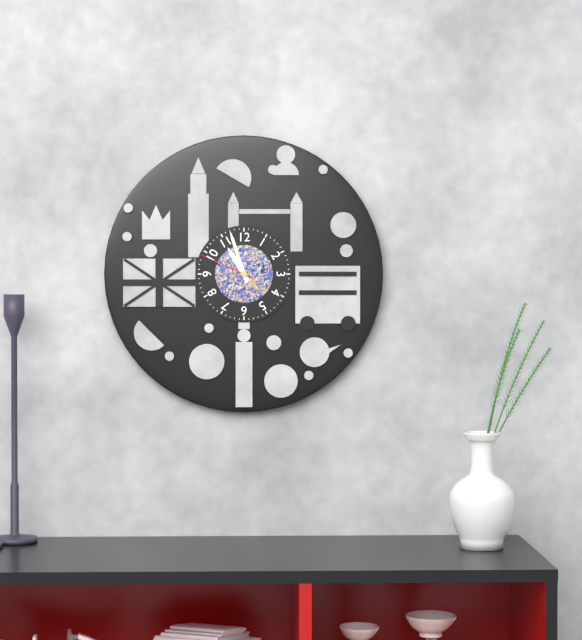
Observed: 10,57,49
